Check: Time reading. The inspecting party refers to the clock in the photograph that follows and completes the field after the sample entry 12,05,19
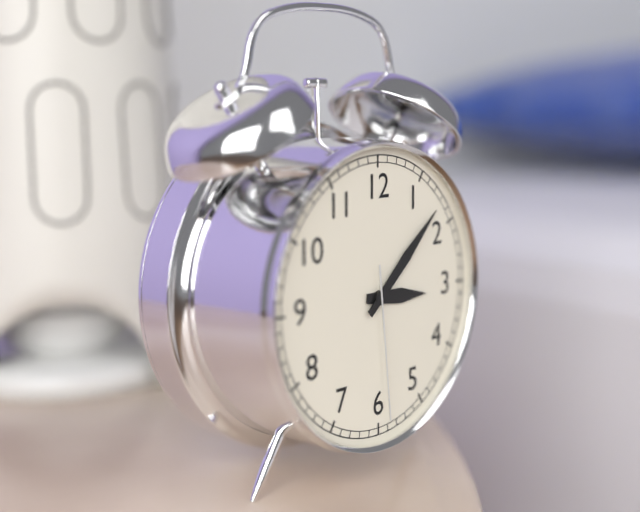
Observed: 3,08,29
